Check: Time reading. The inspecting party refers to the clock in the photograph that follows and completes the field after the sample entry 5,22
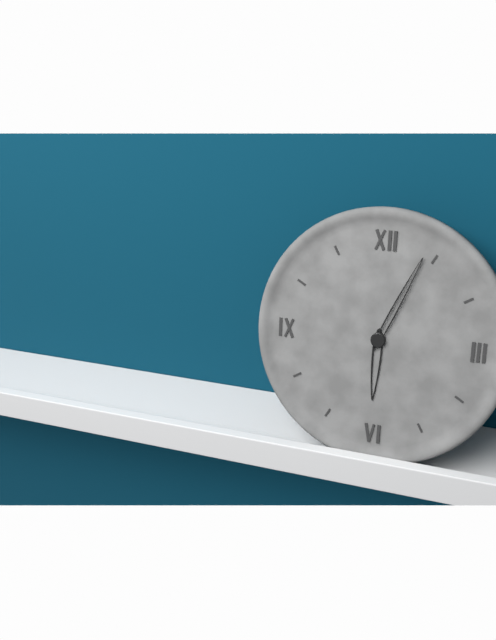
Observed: 6,04
